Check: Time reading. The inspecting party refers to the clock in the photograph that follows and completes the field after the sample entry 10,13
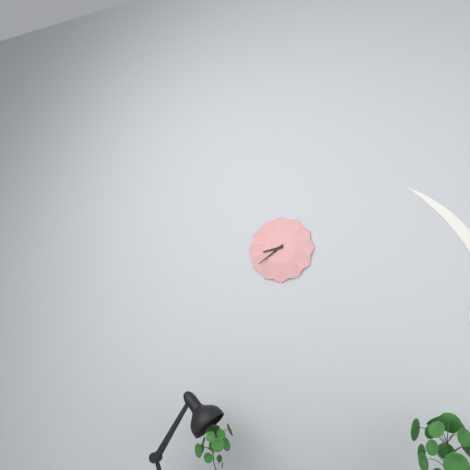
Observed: 8,39
